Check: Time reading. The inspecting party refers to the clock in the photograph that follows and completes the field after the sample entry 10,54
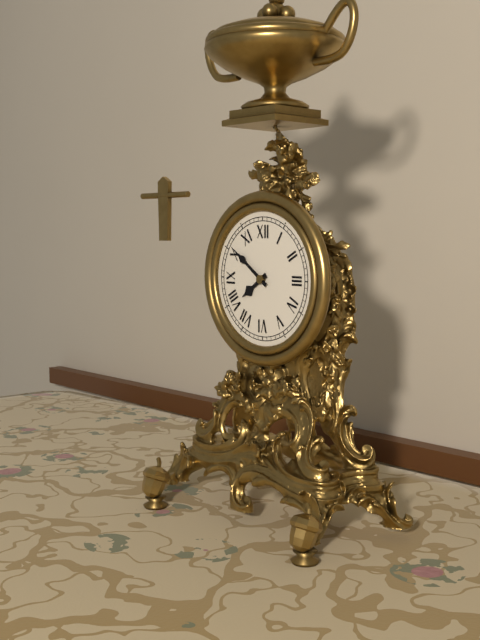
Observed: 7,51
